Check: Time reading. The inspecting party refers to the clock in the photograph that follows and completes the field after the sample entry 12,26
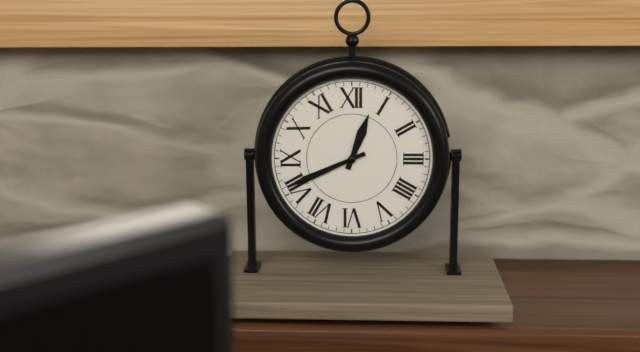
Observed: 12,41
